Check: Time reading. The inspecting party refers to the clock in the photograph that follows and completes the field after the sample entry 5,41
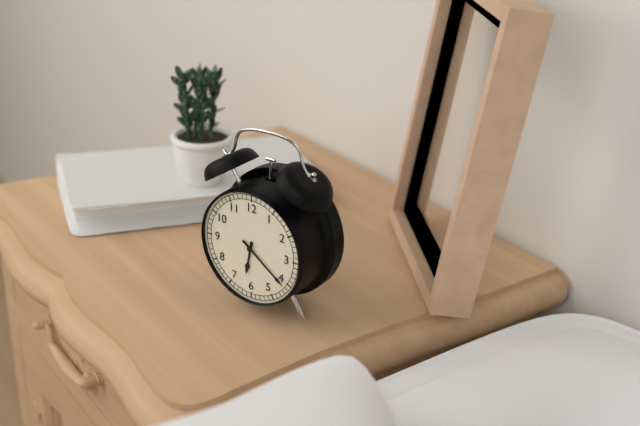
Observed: 6,21
